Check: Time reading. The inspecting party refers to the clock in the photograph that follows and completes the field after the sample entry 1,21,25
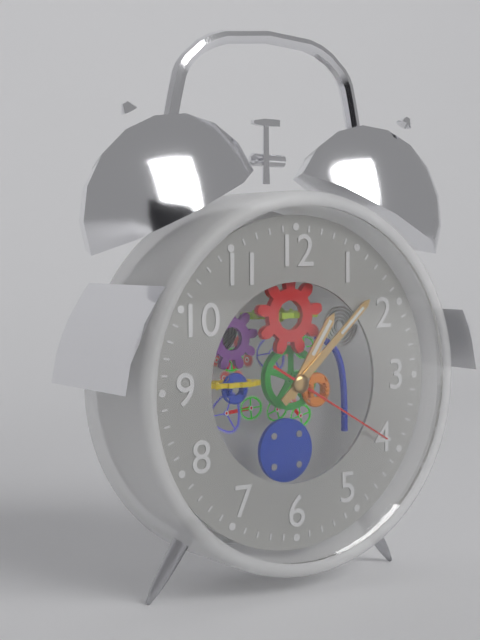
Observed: 1,08,20
